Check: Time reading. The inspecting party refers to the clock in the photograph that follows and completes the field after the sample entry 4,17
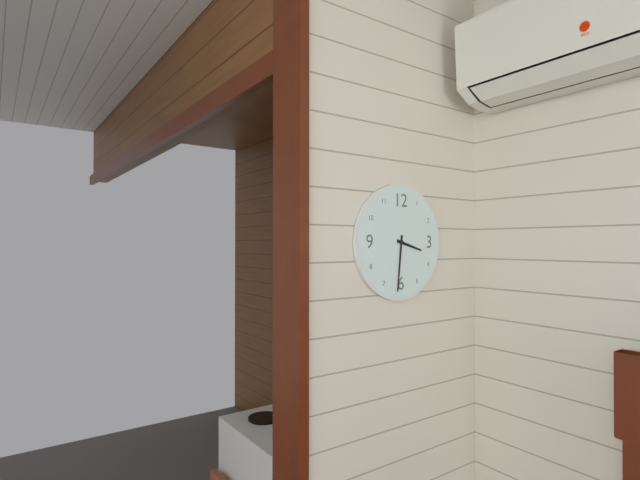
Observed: 3,31
